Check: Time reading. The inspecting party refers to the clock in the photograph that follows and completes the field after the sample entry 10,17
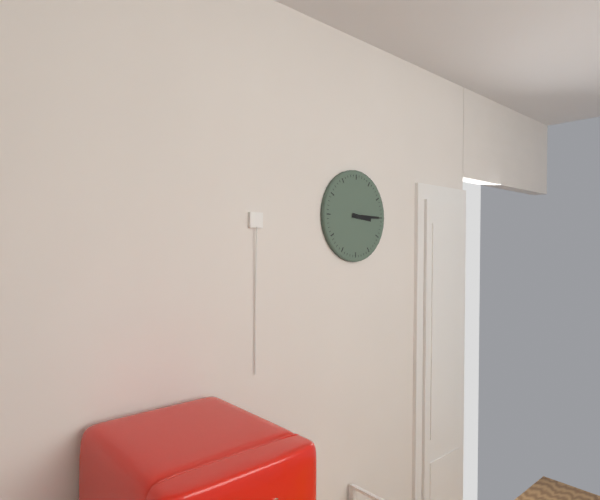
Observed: 3,15
